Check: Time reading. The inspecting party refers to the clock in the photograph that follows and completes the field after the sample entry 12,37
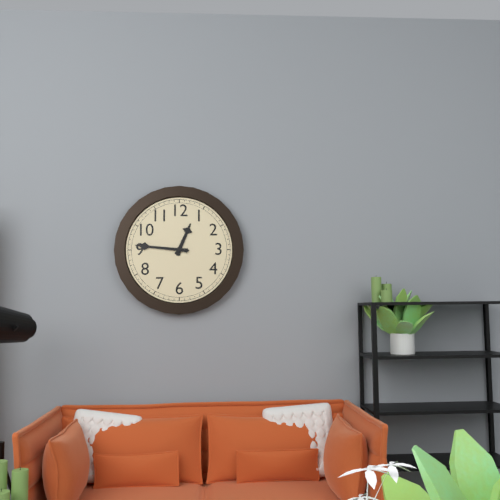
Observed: 12,46
